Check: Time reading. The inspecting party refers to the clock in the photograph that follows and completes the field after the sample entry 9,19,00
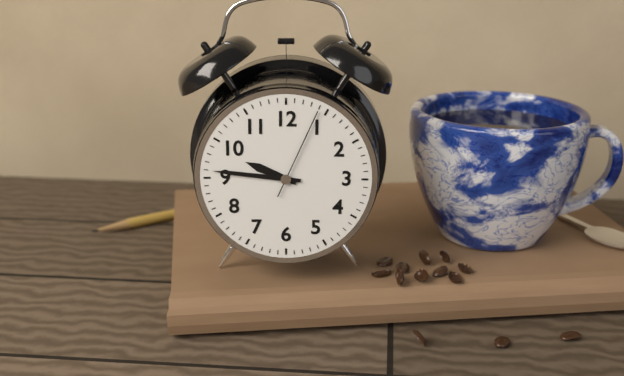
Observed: 9,46,04
